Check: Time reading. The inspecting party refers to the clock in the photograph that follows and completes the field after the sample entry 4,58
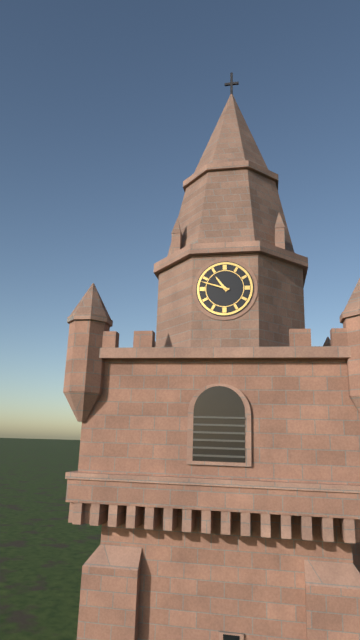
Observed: 10,48
